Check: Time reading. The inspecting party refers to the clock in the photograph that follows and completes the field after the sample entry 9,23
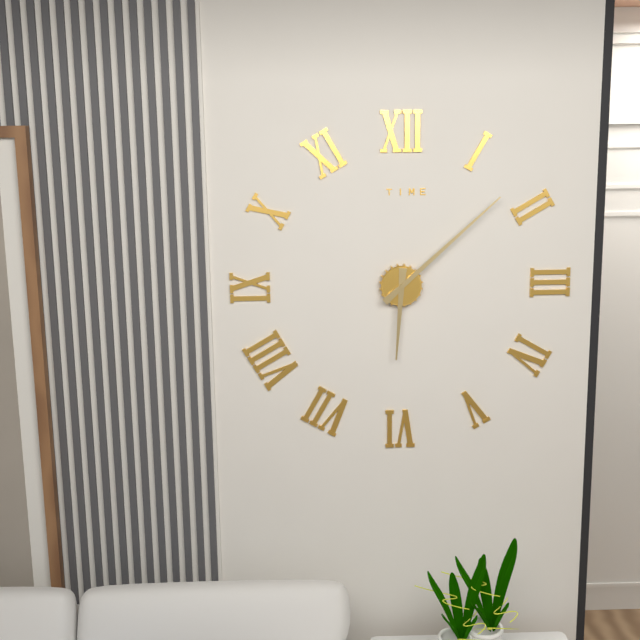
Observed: 6,08
